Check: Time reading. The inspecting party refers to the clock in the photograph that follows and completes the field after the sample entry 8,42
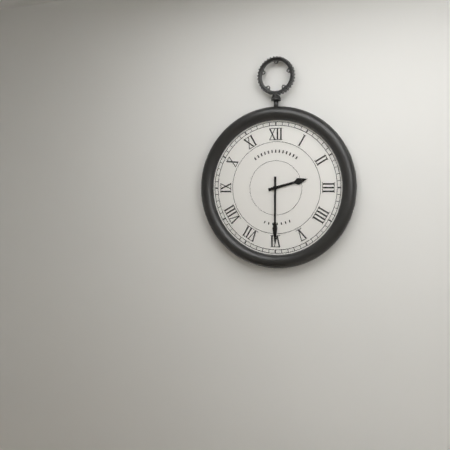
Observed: 2,30
